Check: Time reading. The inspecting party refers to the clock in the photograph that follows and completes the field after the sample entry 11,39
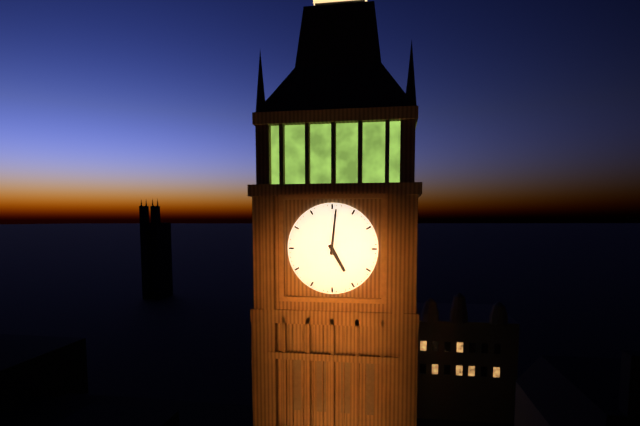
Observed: 5,01
